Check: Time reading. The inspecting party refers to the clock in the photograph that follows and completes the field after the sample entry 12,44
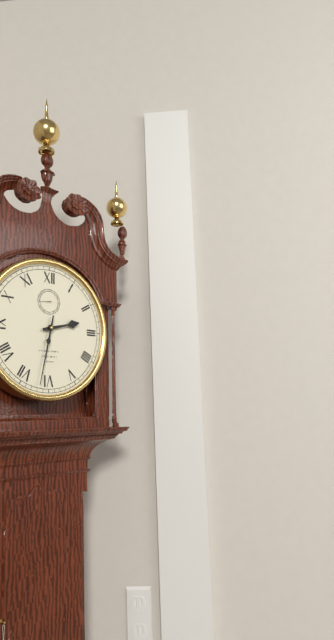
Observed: 2,32
